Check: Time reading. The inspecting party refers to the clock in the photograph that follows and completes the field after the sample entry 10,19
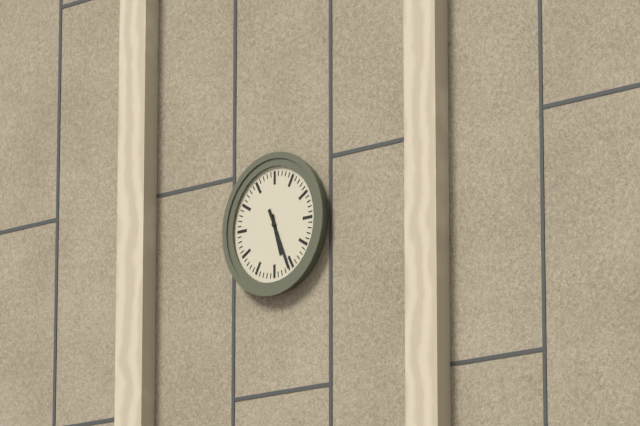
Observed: 5,26
